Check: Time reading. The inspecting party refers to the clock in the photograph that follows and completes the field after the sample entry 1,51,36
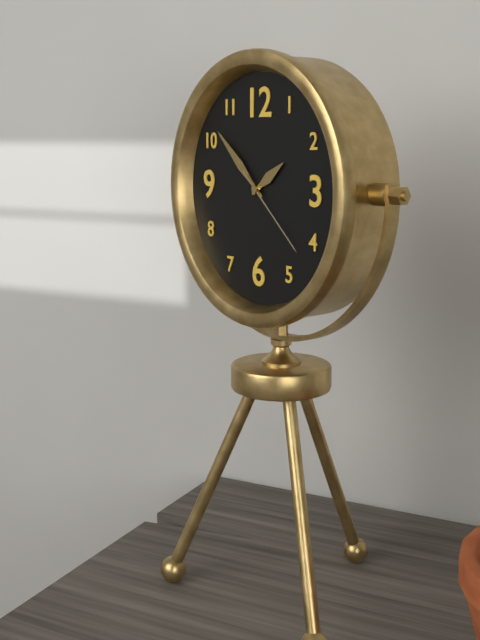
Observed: 1,52,22
